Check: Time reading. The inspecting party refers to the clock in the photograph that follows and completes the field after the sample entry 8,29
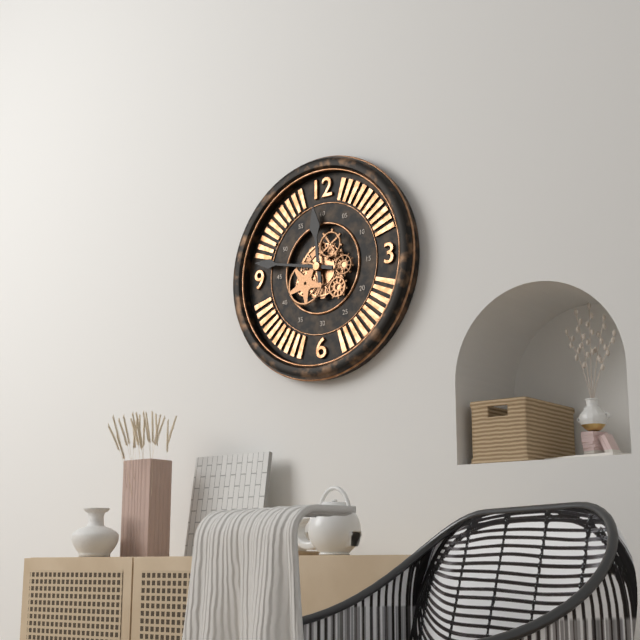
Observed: 11,47
